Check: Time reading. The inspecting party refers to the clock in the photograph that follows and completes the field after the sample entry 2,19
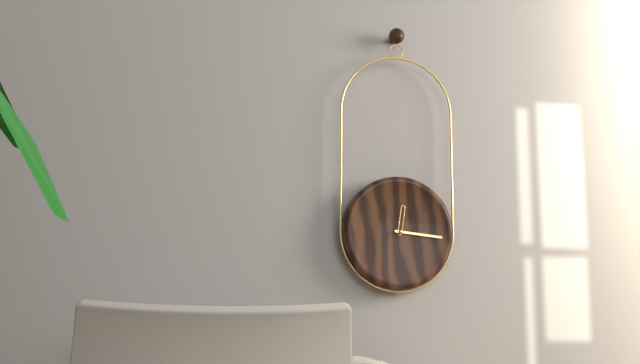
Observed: 12,16
